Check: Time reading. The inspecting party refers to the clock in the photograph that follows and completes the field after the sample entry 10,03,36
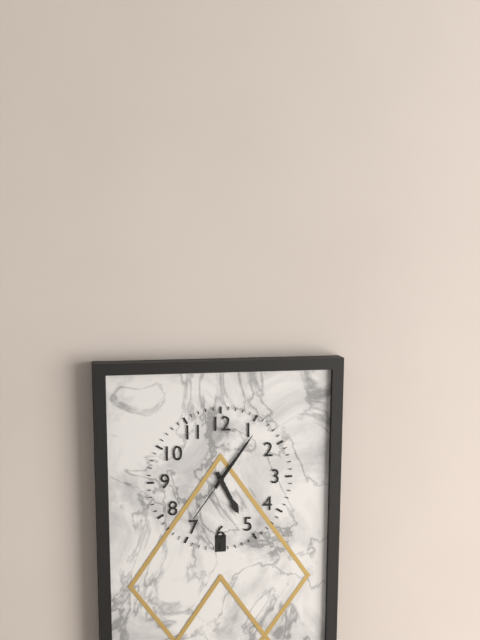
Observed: 5,06,36
